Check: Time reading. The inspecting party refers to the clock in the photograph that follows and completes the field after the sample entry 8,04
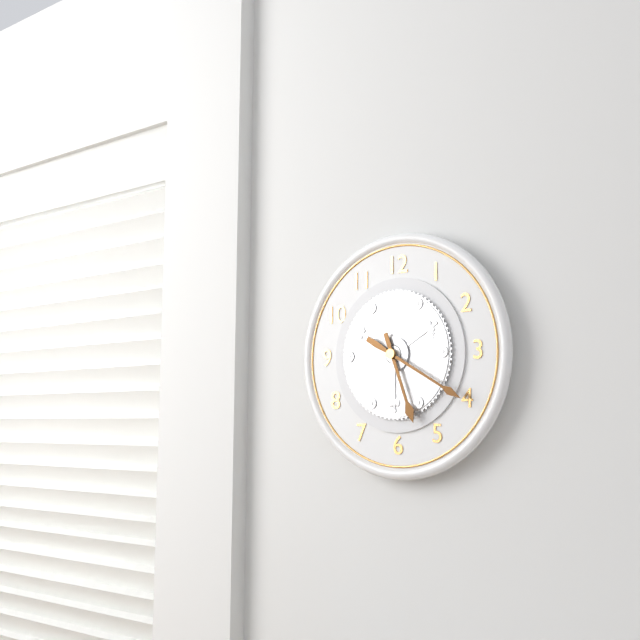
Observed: 5,20
